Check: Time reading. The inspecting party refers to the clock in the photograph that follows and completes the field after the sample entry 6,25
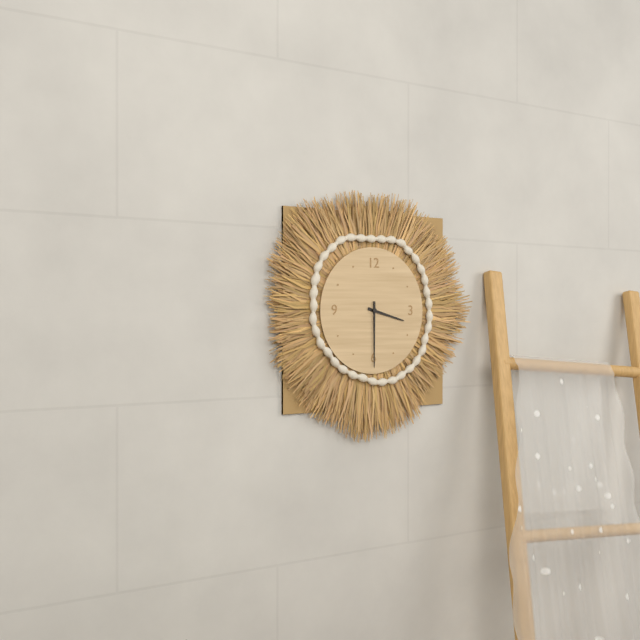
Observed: 3,30
